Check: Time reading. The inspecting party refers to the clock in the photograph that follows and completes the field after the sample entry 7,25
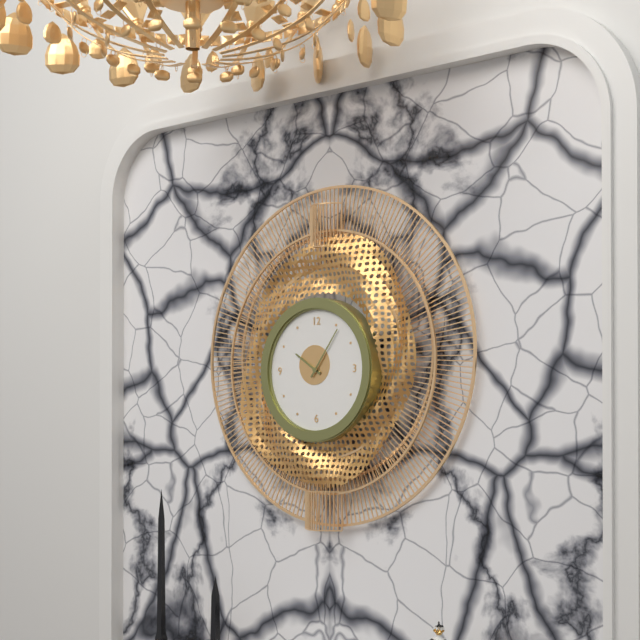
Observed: 10,06
